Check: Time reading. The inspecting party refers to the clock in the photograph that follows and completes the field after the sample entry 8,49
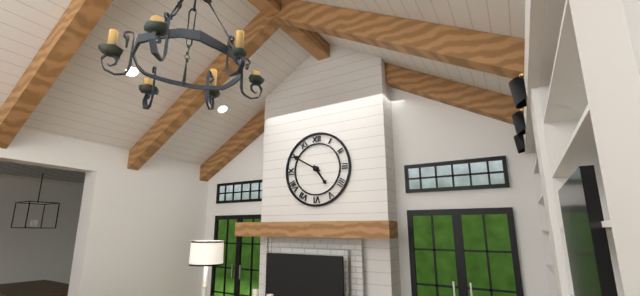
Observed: 4,50
